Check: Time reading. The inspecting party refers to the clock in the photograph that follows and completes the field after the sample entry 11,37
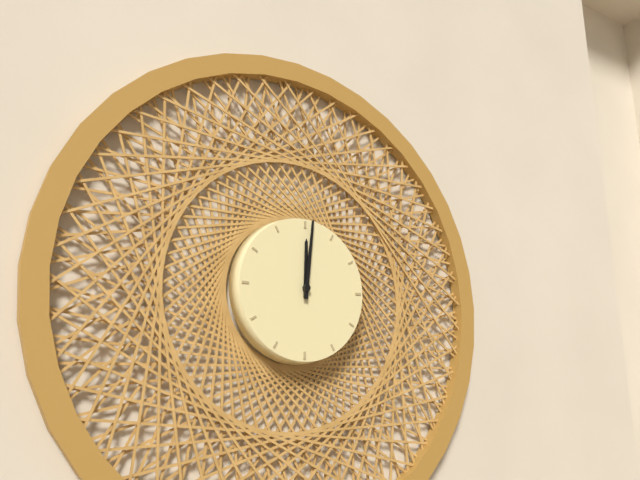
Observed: 12,01
